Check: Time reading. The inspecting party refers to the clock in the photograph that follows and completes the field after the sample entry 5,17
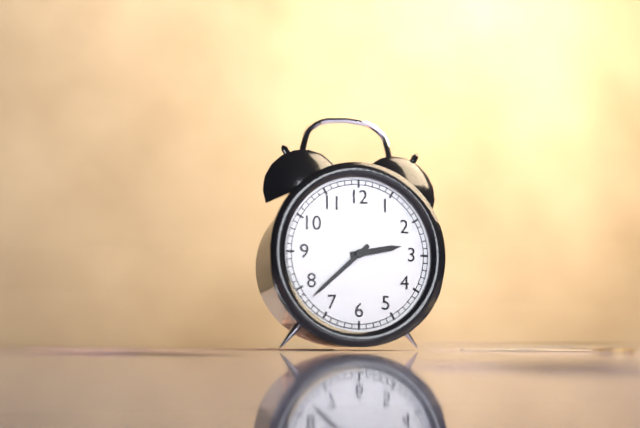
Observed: 2,38
